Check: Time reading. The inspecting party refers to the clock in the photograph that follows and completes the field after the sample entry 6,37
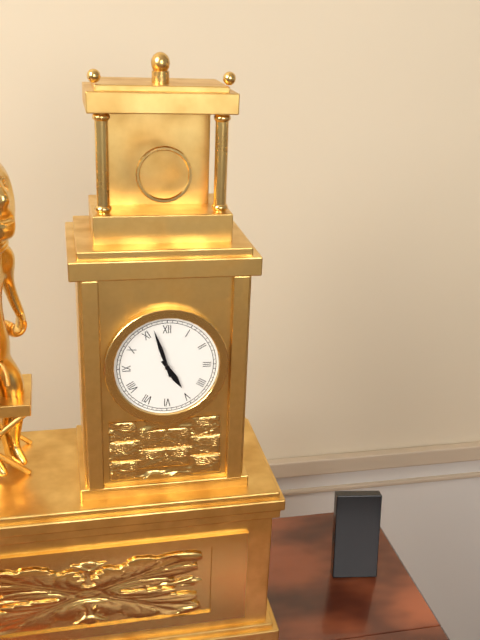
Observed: 4,57
